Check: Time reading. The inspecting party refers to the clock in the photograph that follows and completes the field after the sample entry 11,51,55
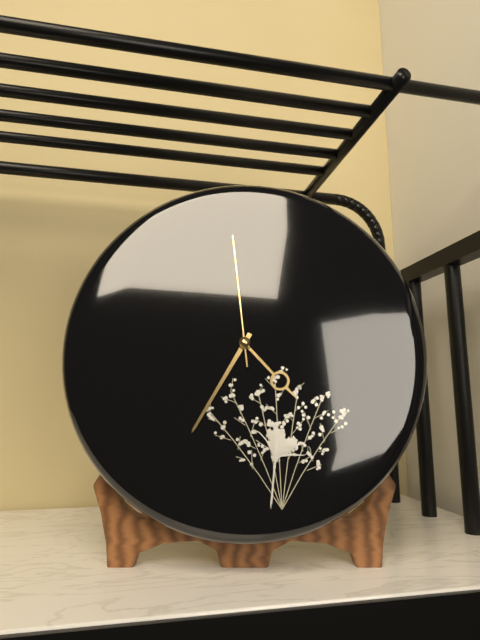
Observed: 4,35,59
